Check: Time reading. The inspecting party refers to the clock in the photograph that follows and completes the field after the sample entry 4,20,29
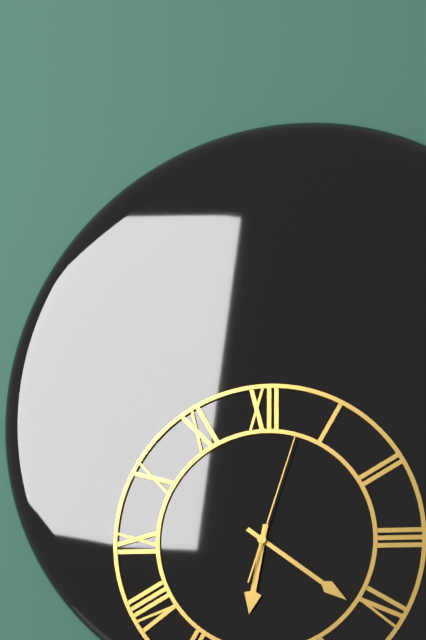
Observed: 6,21,03
